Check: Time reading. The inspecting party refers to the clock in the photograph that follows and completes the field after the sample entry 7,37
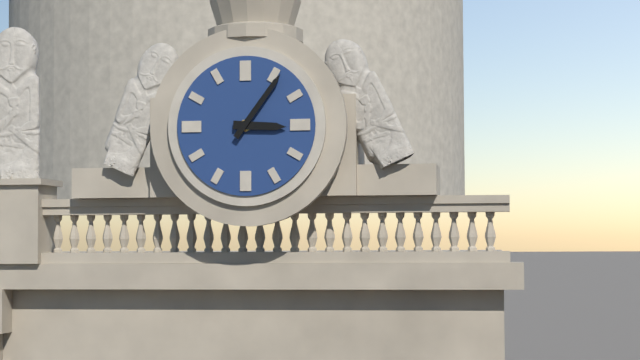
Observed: 3,06
